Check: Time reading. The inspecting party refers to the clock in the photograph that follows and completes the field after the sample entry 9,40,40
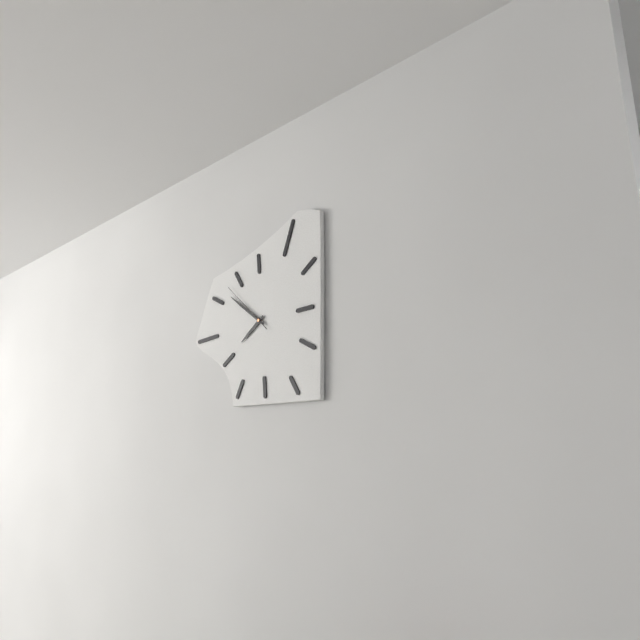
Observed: 7,51,52
